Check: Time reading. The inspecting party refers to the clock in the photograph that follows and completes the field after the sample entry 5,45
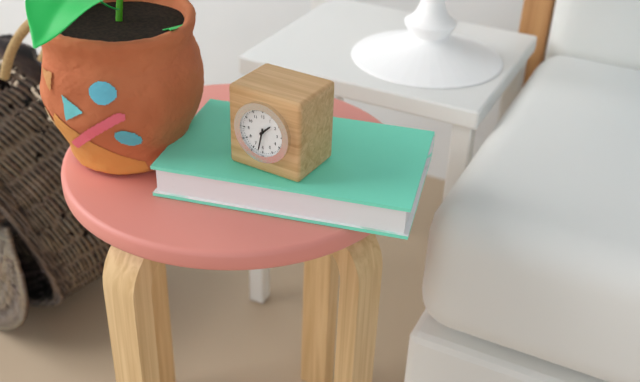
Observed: 1,32
